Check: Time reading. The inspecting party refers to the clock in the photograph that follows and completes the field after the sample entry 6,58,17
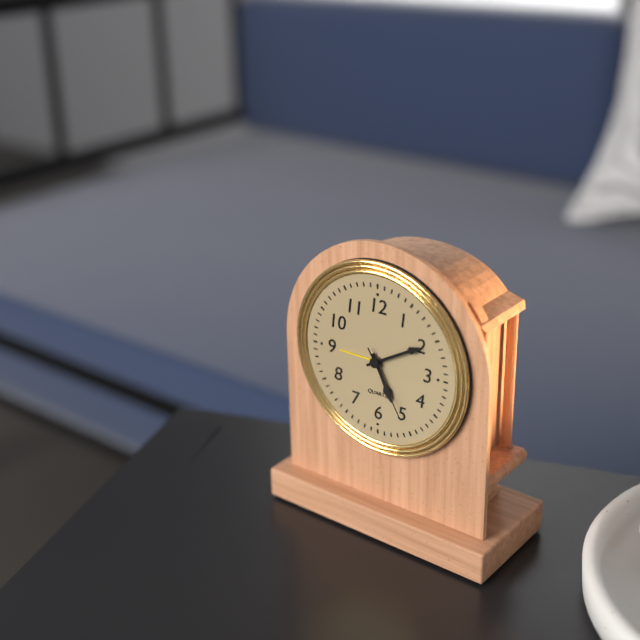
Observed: 5,10,25
